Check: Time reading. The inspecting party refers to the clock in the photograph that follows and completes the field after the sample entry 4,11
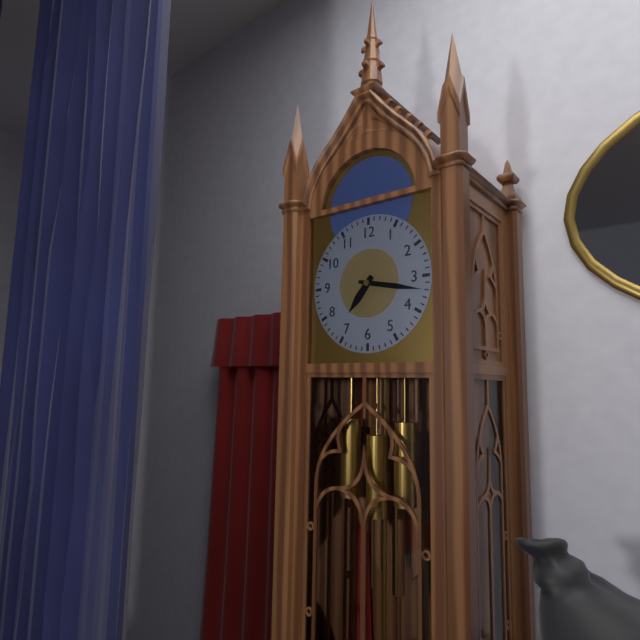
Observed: 7,17
